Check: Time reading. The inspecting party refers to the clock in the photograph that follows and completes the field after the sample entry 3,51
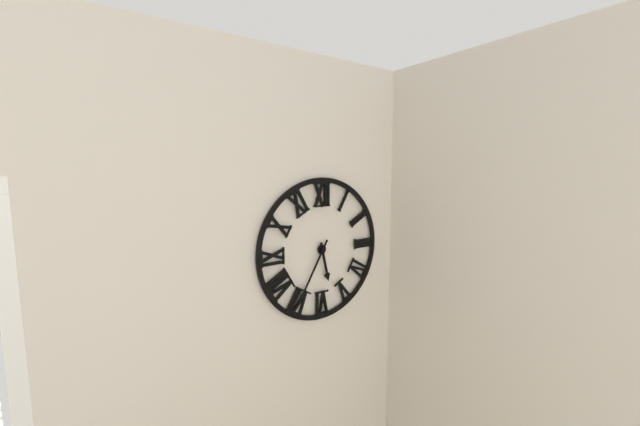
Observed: 5,35
